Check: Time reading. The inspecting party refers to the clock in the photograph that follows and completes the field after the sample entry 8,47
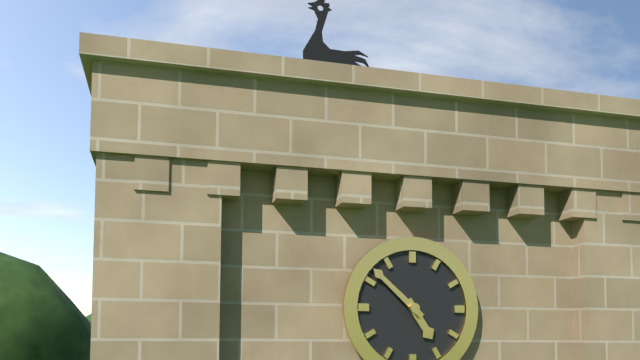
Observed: 4,52
